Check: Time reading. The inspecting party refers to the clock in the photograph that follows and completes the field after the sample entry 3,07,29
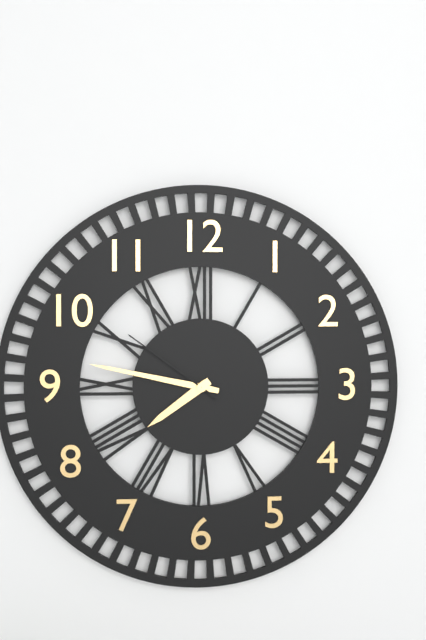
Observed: 7,47,51
